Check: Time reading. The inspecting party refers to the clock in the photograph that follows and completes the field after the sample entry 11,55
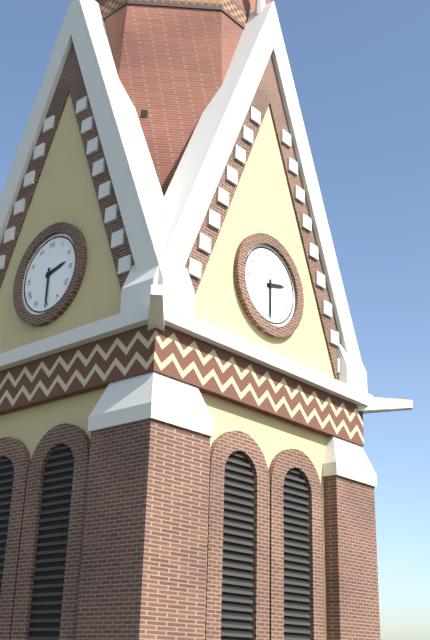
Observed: 2,30
